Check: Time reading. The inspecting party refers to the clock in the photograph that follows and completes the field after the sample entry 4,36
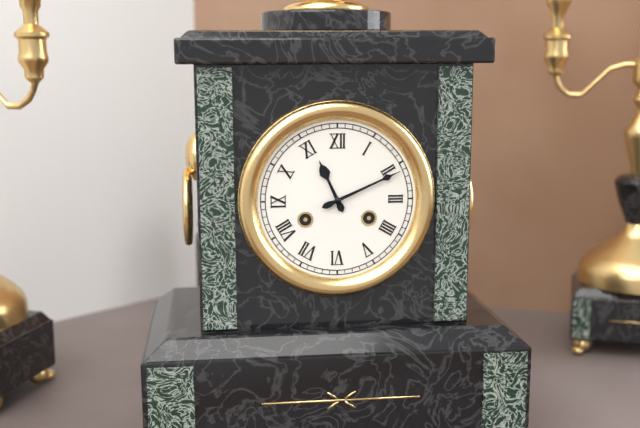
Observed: 11,11
